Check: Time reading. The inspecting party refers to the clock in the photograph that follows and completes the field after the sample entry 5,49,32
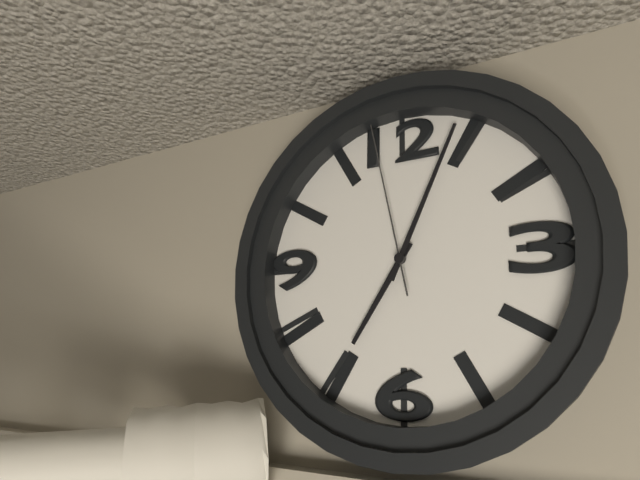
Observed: 7,04,58
